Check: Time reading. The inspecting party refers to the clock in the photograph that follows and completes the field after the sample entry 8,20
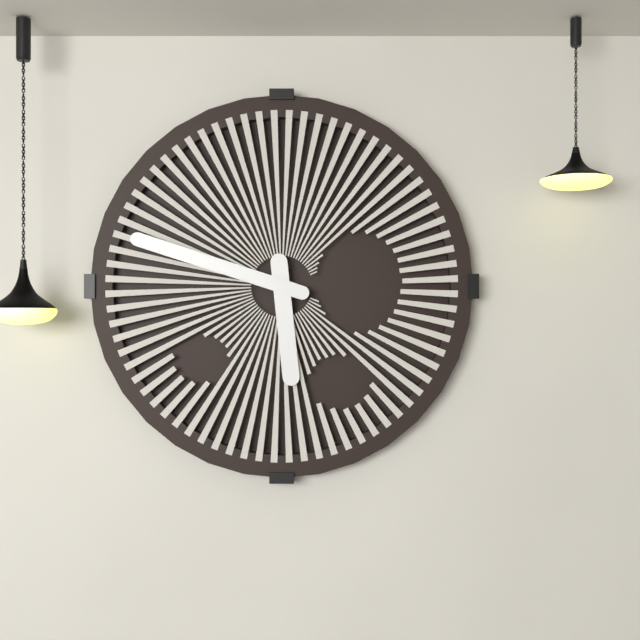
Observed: 5,48
